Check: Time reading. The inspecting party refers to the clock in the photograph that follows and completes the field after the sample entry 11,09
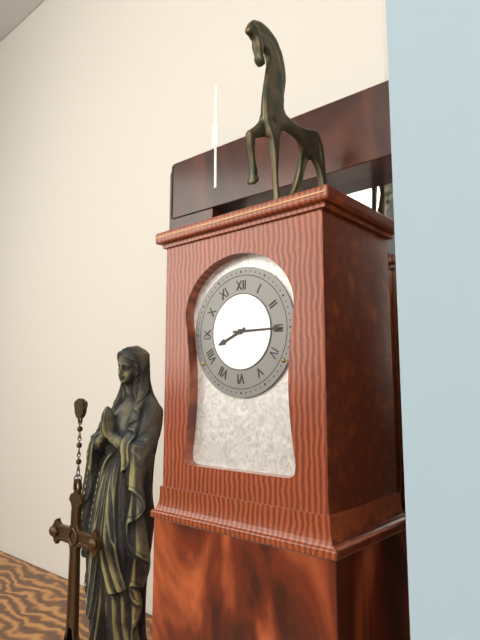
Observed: 8,15
